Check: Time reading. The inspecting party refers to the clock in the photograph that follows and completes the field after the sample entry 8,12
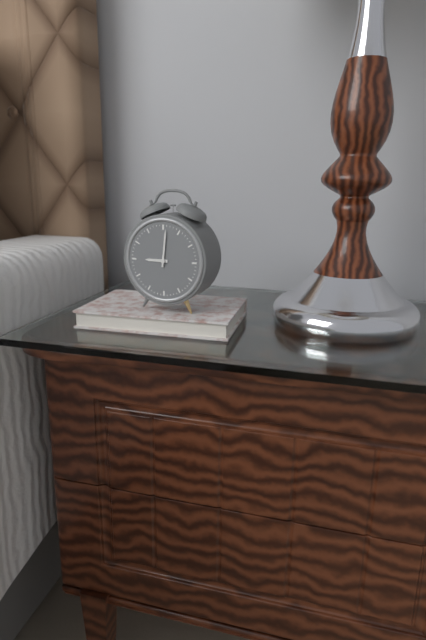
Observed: 9,01
